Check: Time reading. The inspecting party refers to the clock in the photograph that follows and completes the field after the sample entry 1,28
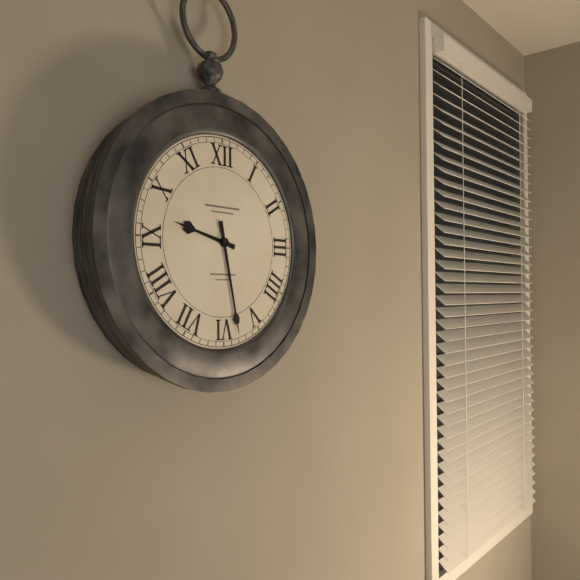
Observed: 9,28
